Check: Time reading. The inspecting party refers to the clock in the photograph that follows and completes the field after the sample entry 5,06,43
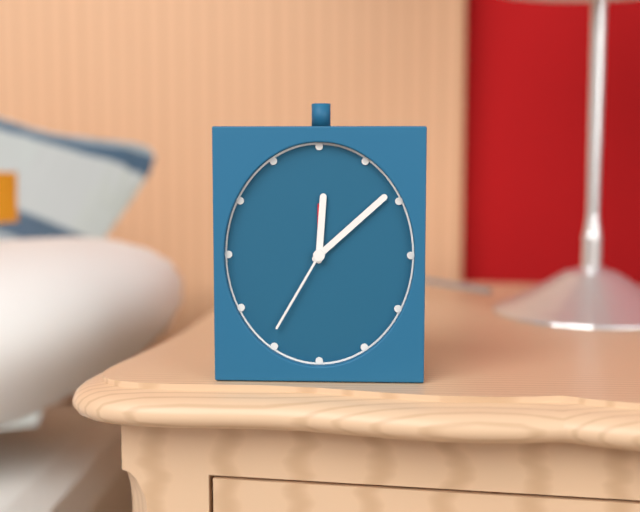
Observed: 12,08,35
